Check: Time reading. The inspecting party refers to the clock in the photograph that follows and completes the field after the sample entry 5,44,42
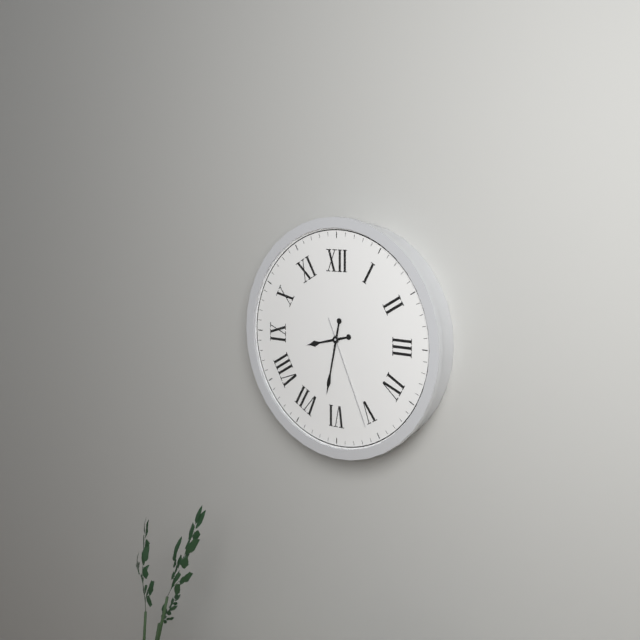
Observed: 8,32,26
